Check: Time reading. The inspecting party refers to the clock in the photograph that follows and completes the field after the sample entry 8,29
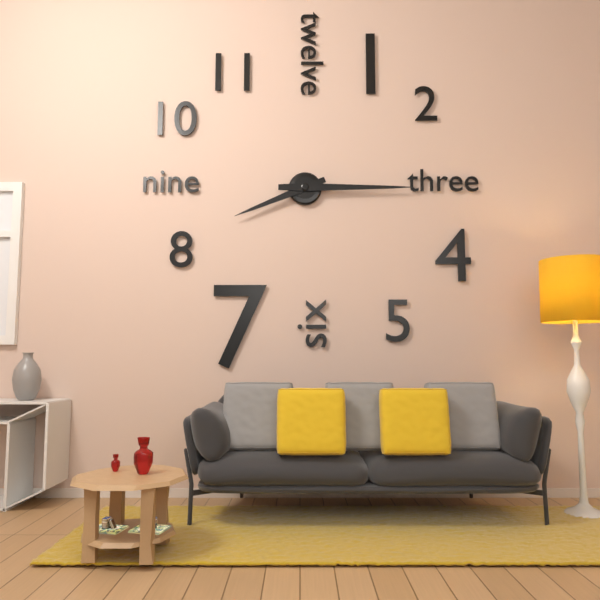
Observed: 8,15
